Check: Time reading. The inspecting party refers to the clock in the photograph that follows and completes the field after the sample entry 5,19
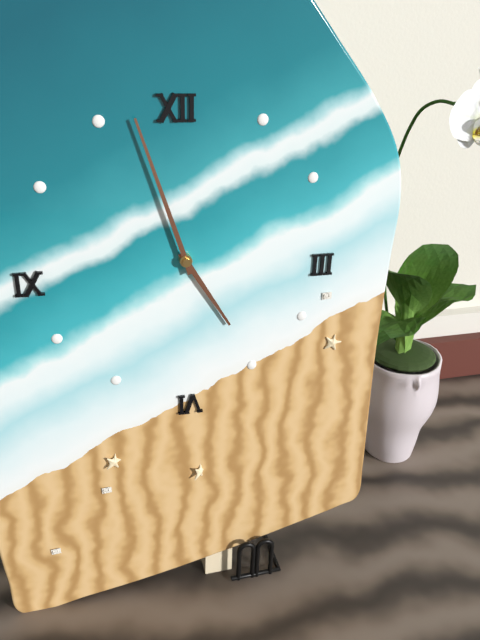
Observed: 4,57
